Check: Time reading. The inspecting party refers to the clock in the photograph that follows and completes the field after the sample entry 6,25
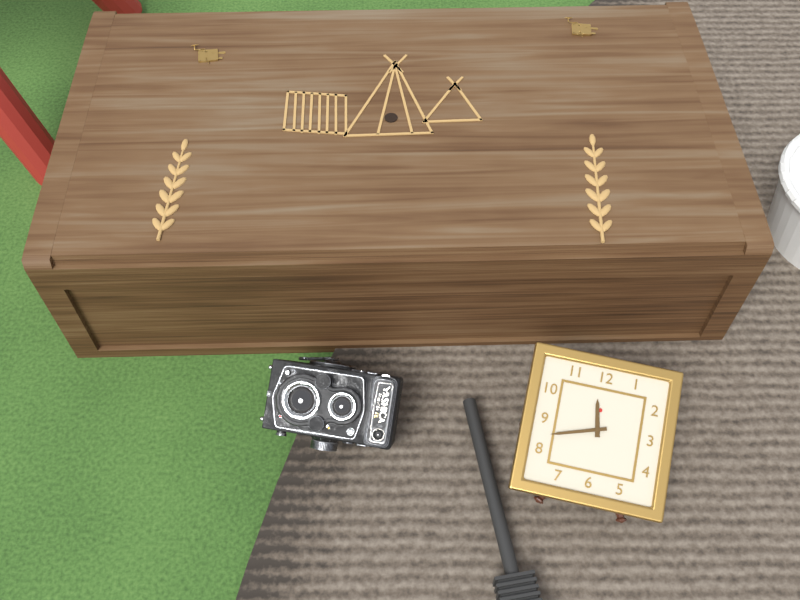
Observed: 11,42
